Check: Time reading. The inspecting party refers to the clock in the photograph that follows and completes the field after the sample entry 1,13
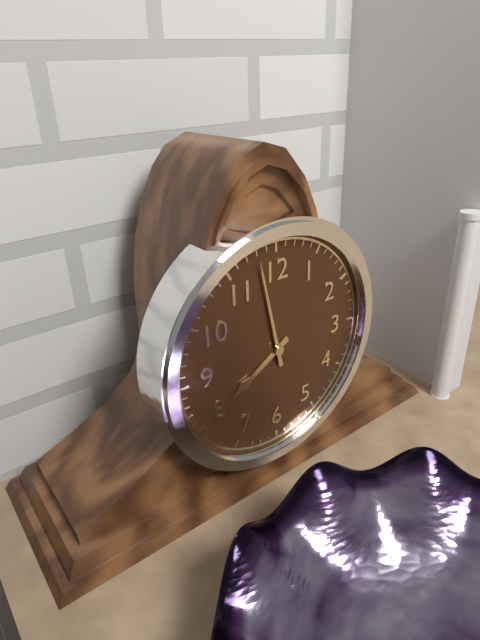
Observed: 7,58
